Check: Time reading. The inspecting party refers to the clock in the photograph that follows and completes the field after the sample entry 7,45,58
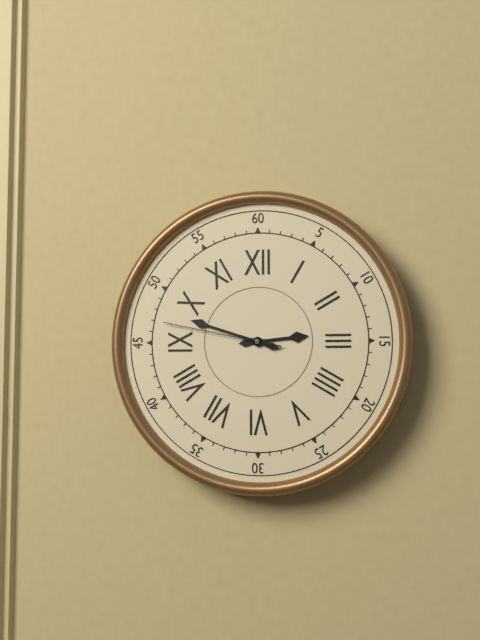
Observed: 2,48,47
